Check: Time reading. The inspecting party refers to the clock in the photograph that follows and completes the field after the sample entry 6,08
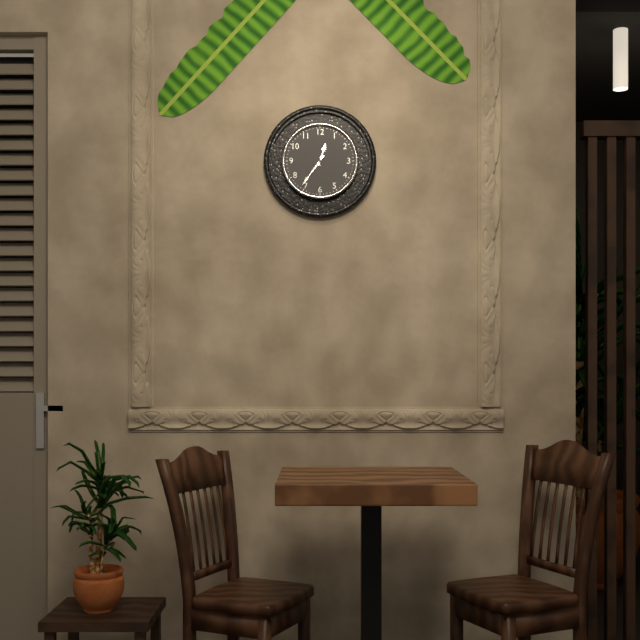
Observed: 12,36
